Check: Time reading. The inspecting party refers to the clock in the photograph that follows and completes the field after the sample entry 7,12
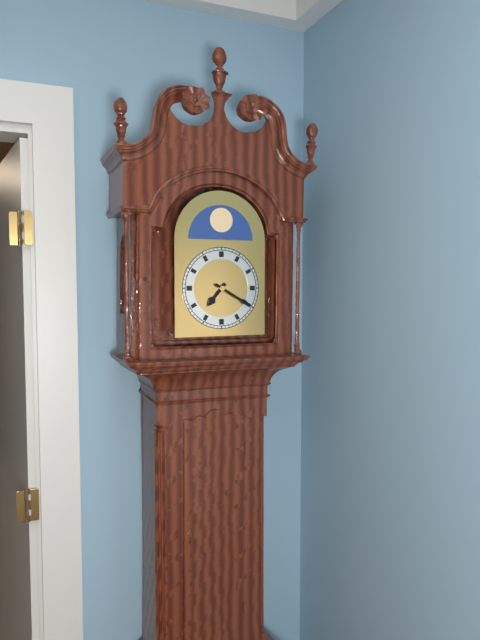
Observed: 7,20
